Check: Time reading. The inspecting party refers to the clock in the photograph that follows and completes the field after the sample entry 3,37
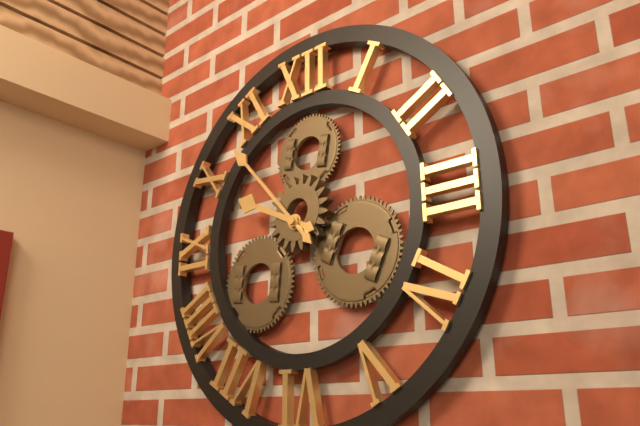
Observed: 9,53
